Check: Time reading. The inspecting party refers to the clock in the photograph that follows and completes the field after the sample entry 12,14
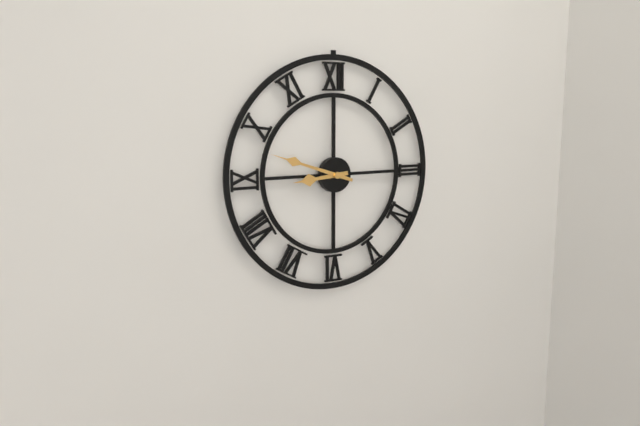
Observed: 8,48
